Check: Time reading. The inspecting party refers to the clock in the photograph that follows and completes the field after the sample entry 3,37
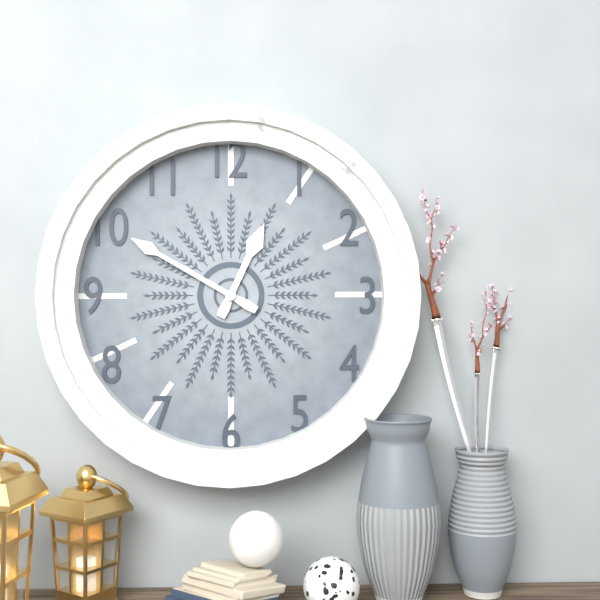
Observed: 12,50
